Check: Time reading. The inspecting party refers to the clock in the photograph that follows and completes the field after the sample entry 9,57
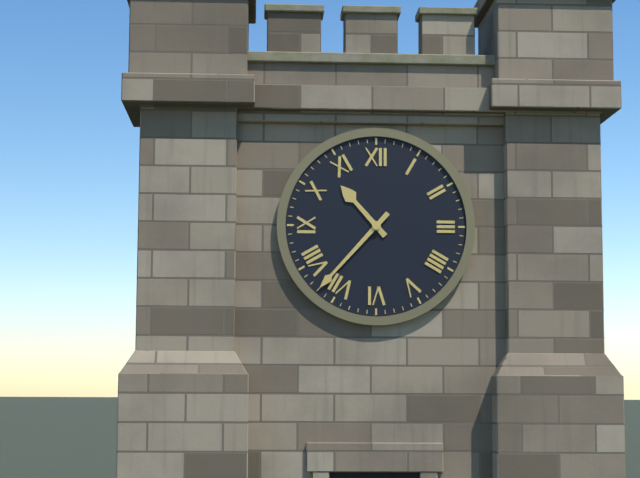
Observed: 10,37
